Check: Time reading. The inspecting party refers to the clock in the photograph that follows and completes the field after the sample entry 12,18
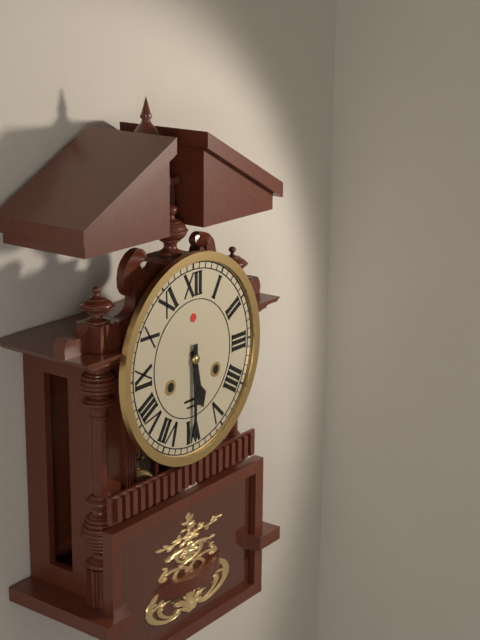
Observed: 5,30
